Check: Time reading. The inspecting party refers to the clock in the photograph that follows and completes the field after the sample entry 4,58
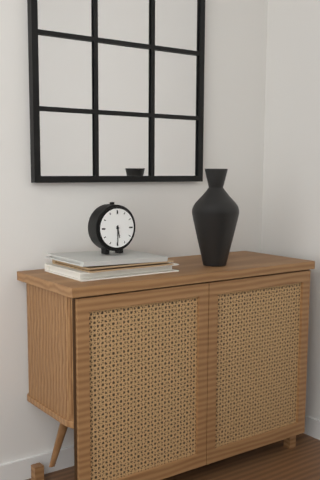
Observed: 5,30
